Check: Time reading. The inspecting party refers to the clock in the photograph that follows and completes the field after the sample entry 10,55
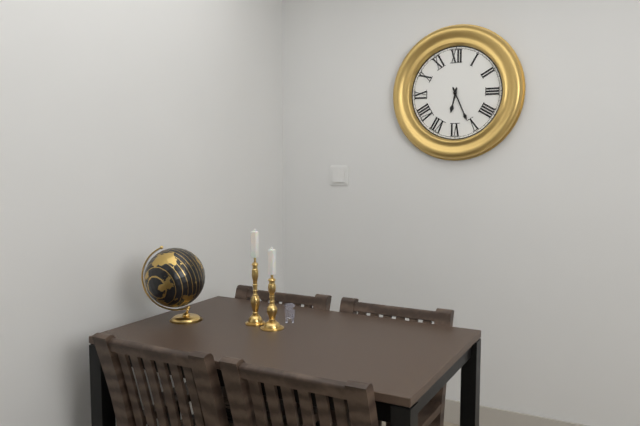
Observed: 6,26
